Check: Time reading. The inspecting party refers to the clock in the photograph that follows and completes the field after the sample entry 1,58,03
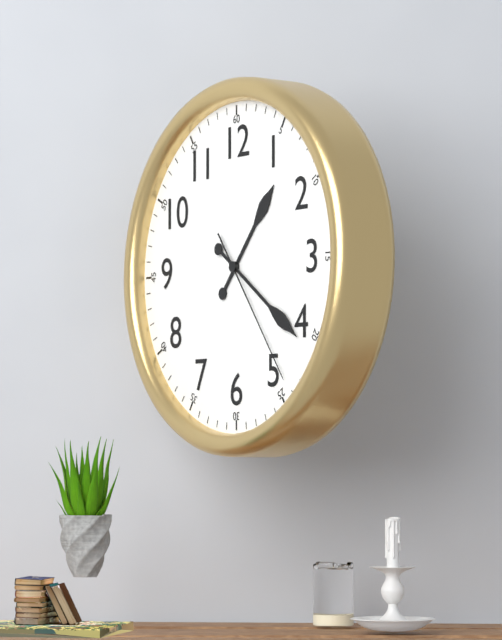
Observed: 1,21,24
